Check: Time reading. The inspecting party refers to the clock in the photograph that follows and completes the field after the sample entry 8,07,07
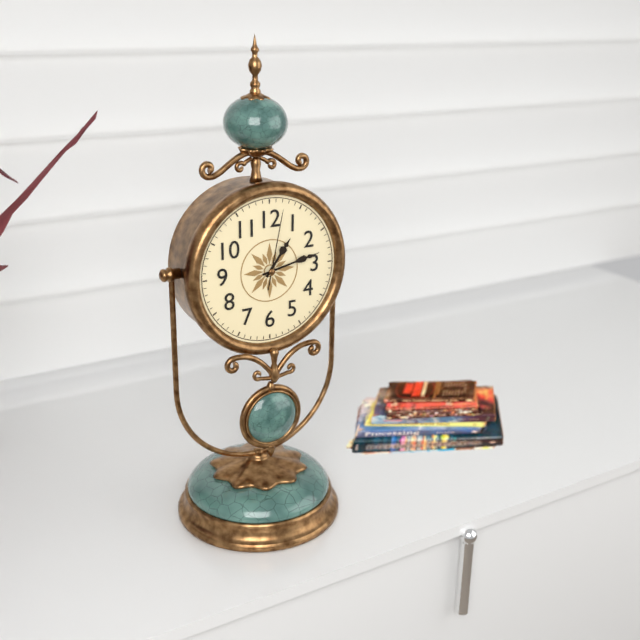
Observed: 1,13,02
